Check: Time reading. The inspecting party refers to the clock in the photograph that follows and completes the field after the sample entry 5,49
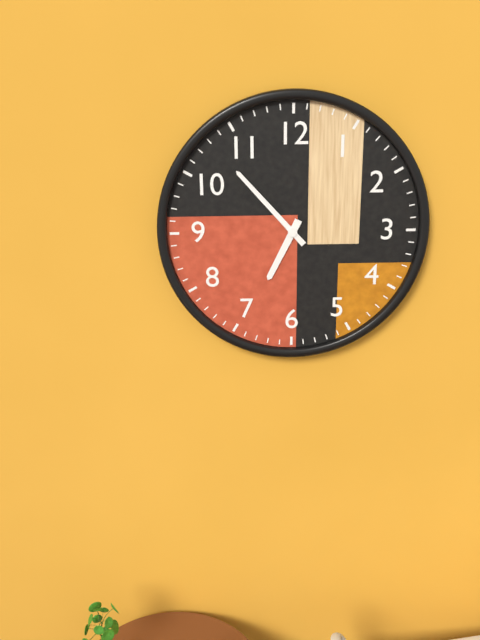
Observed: 6,53
